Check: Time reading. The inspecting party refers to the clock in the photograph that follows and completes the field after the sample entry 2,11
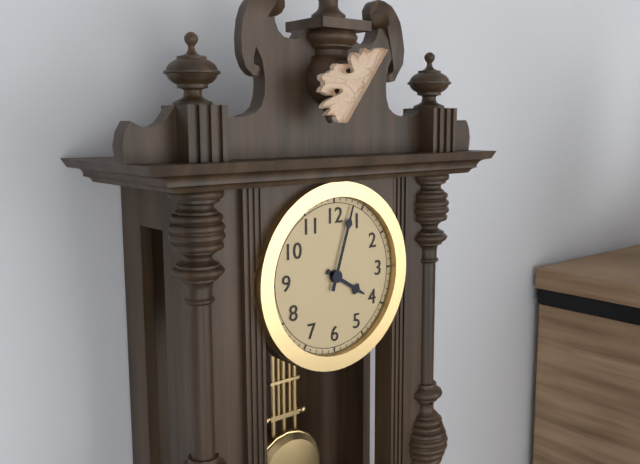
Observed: 4,03
